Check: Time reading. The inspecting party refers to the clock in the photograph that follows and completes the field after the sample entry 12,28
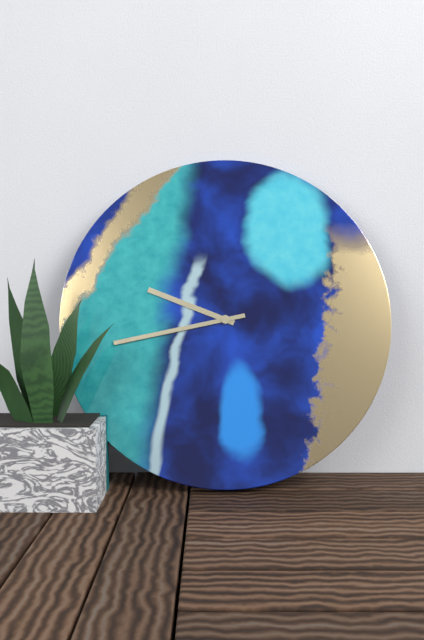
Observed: 9,43
